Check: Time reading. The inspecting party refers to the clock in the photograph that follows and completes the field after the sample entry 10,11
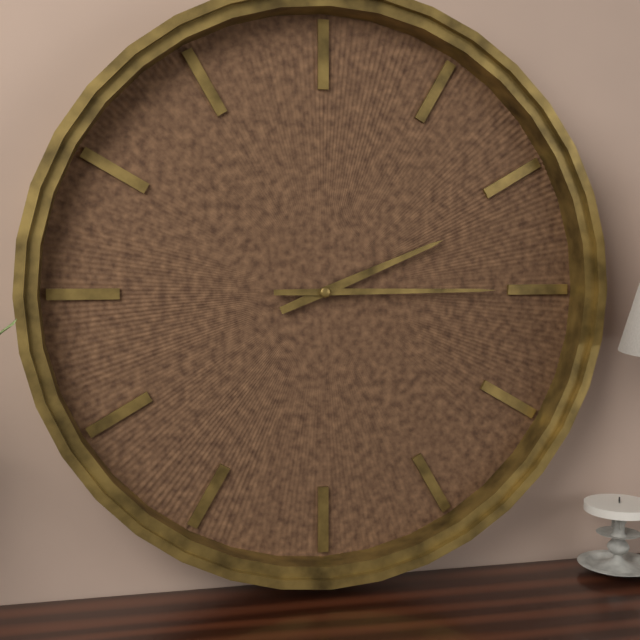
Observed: 2,15
